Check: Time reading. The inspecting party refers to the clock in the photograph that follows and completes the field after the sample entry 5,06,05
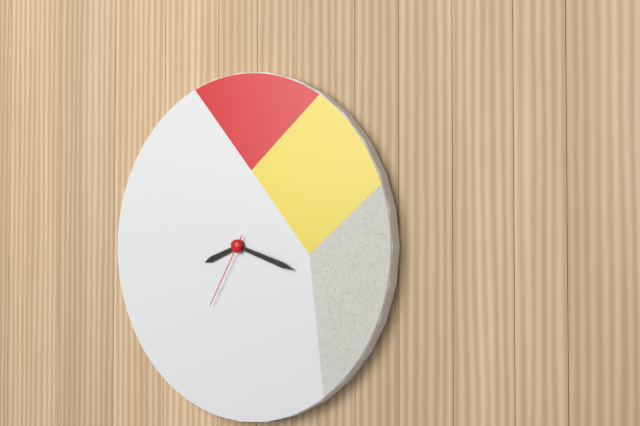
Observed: 8,18,35
